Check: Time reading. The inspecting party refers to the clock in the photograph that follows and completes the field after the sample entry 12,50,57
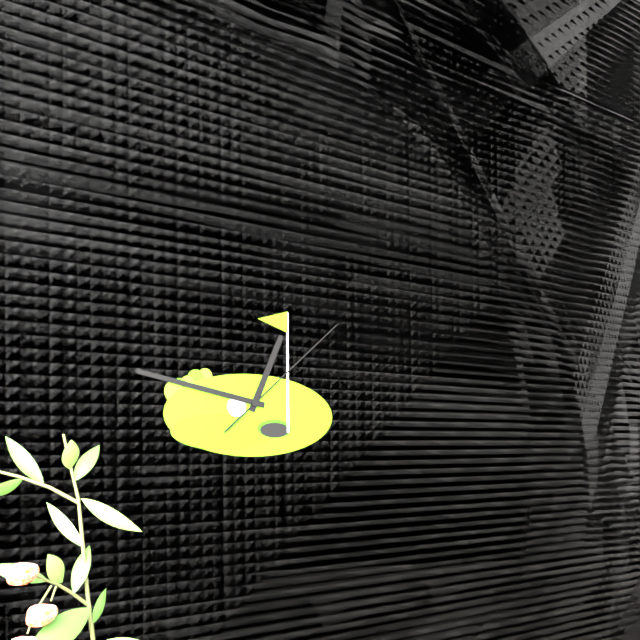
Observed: 12,47,08
